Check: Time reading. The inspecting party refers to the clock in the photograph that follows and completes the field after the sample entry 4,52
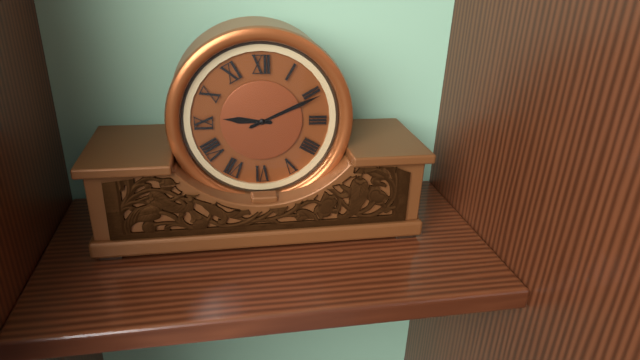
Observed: 9,11
